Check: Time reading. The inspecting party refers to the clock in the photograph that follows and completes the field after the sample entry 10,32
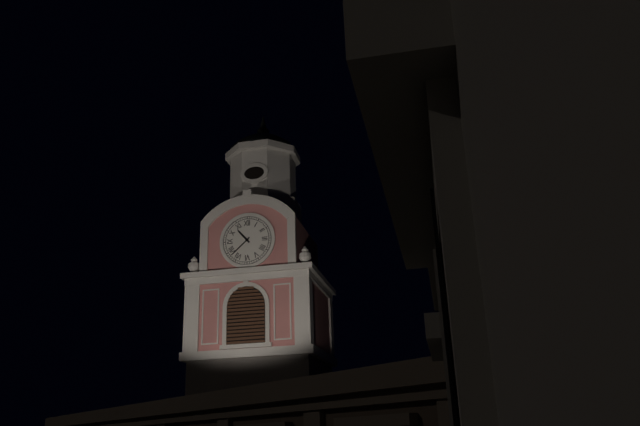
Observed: 10,38
